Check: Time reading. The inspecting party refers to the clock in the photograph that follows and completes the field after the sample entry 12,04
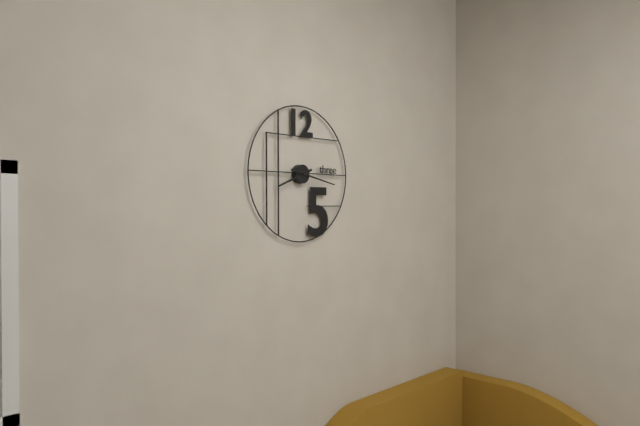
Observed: 8,17
